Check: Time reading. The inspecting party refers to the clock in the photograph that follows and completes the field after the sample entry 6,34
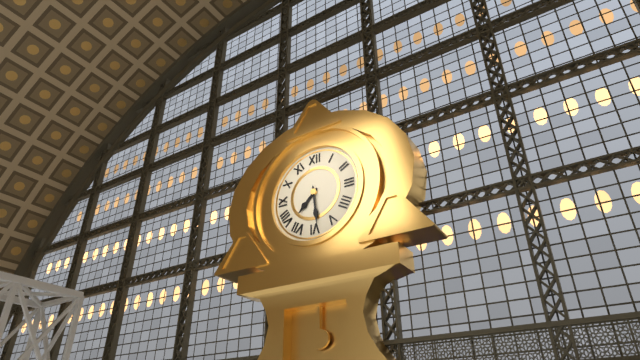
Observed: 7,29
